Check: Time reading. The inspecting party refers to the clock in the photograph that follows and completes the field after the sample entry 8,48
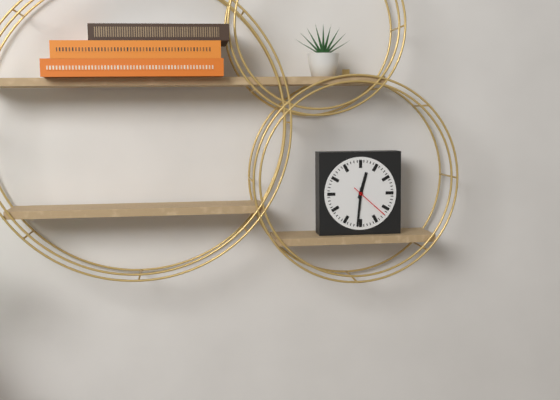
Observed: 12,31
